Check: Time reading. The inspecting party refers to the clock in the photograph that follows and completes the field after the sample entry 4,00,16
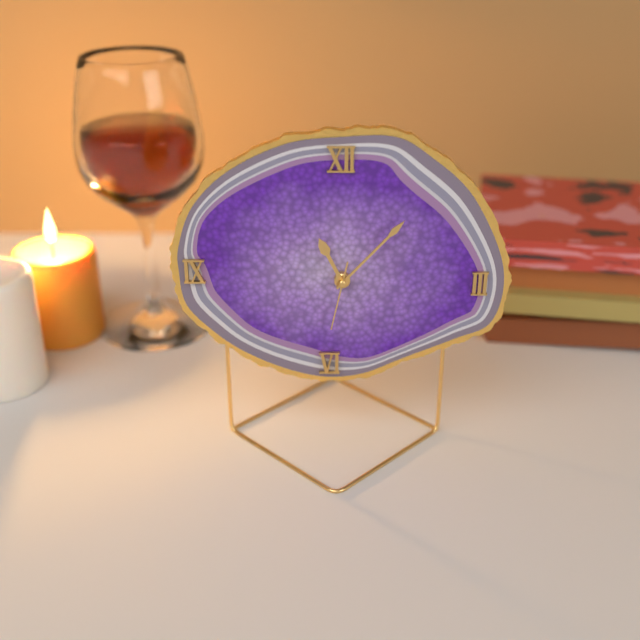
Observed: 11,07,32
